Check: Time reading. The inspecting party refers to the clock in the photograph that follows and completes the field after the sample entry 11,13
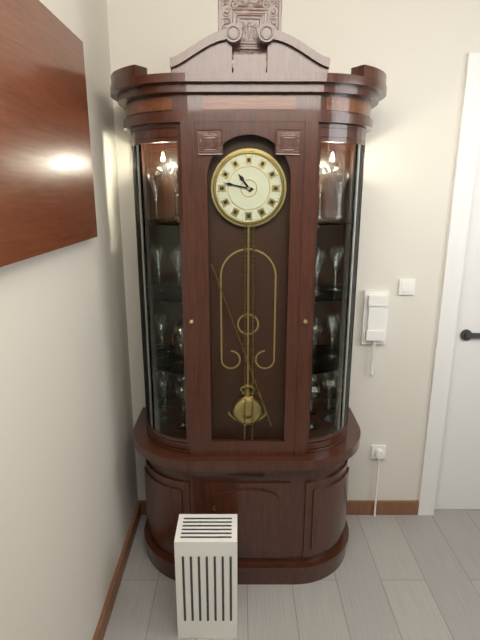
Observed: 10,47
